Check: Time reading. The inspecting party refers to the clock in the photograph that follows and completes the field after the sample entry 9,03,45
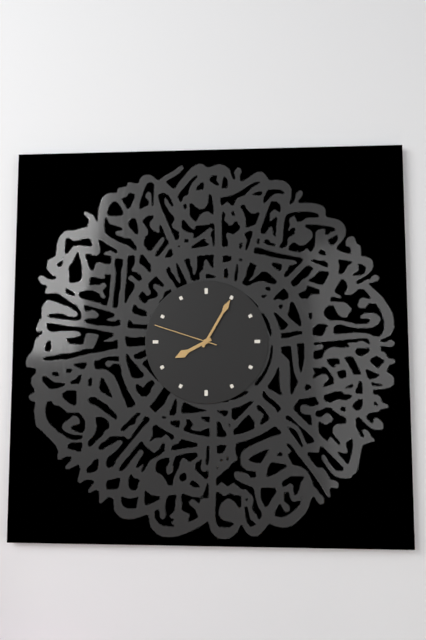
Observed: 8,05,48
